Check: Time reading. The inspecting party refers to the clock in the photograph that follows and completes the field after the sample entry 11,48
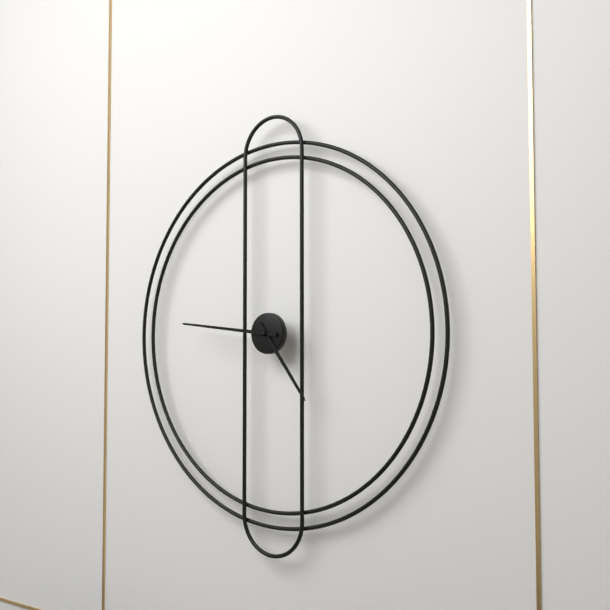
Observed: 4,46
